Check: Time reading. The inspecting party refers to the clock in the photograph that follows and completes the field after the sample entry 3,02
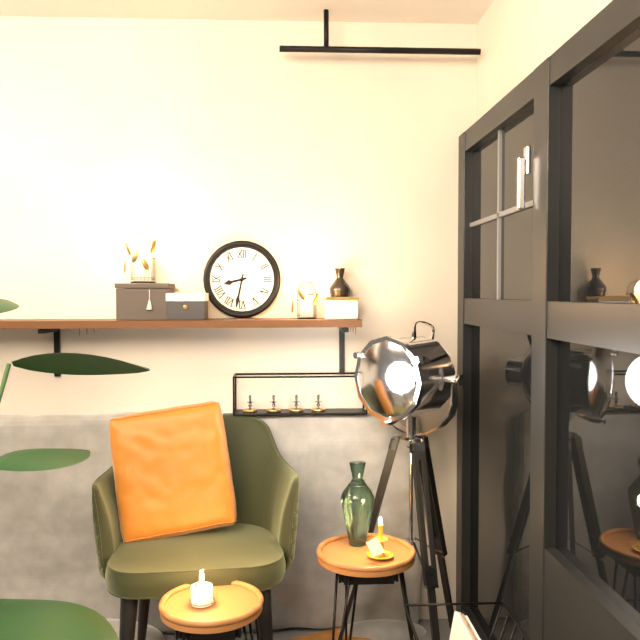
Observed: 8,32
